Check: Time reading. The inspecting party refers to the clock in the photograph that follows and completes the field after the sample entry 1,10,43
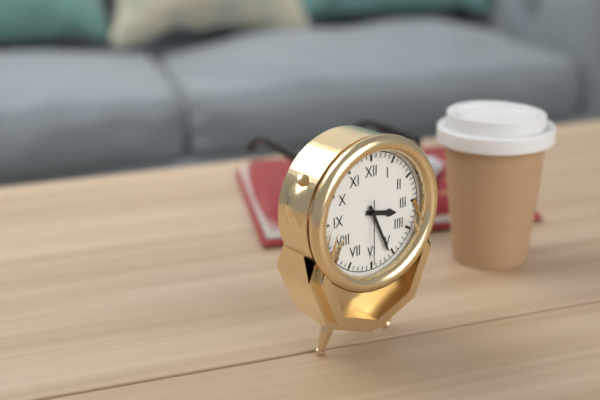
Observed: 3,26,30
